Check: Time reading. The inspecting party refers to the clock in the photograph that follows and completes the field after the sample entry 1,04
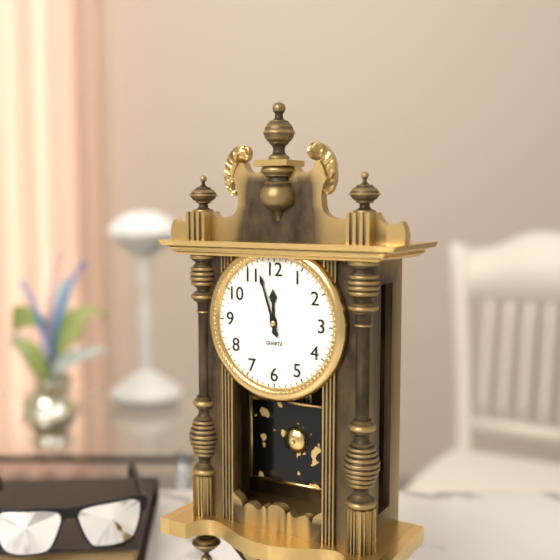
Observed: 11,57
